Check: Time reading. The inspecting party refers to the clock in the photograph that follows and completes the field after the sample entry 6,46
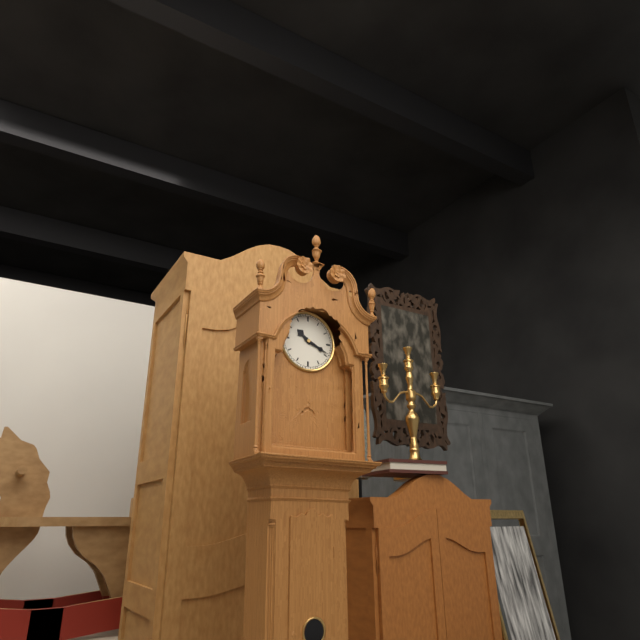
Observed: 10,19
